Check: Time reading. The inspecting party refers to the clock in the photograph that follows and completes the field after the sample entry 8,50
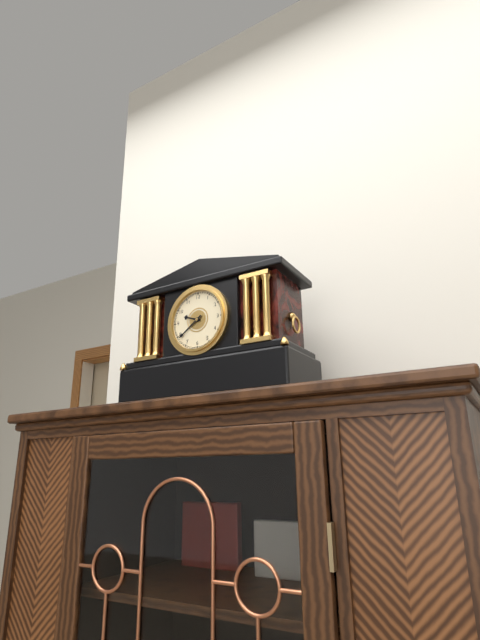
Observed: 9,39
